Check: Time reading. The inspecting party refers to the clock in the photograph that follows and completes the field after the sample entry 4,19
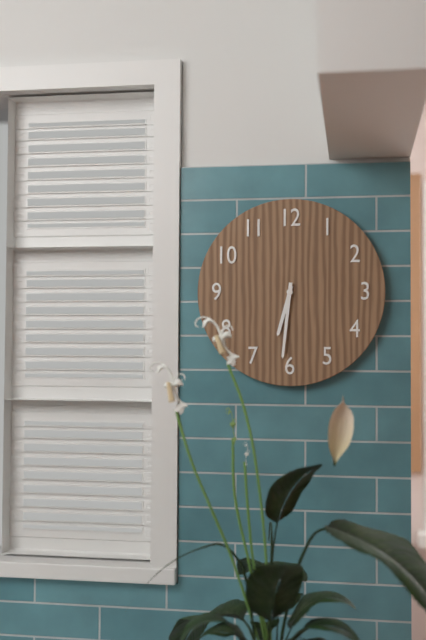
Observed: 6,31
